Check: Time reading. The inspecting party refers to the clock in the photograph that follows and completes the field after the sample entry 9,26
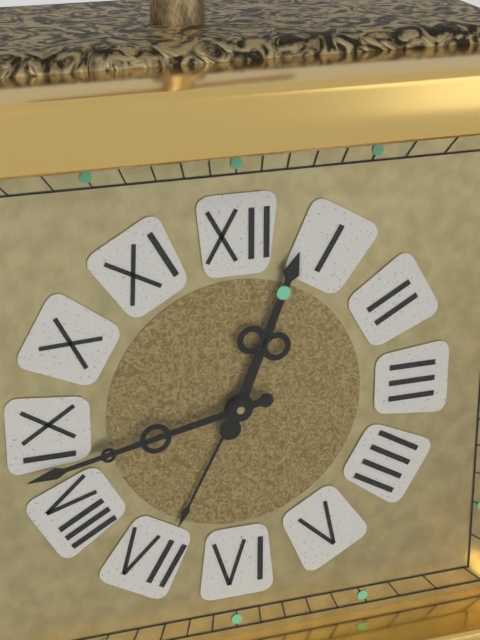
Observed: 12,43
